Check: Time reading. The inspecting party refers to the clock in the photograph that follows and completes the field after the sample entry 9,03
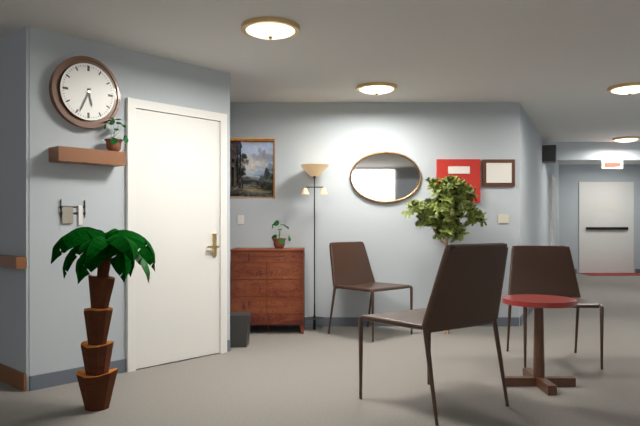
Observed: 5,34
